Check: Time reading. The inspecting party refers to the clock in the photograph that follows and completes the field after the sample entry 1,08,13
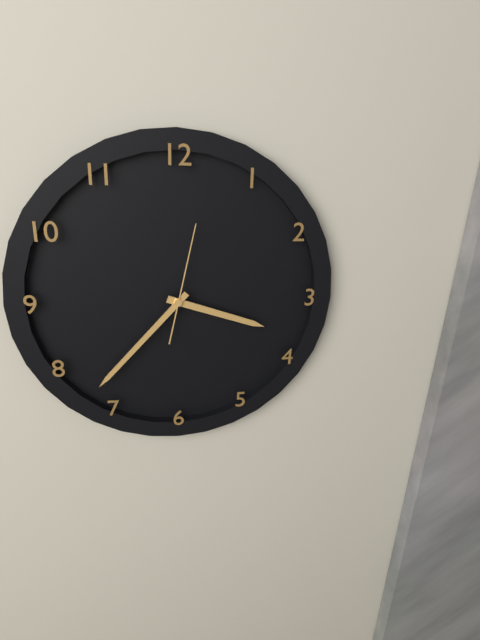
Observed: 3,37,02
